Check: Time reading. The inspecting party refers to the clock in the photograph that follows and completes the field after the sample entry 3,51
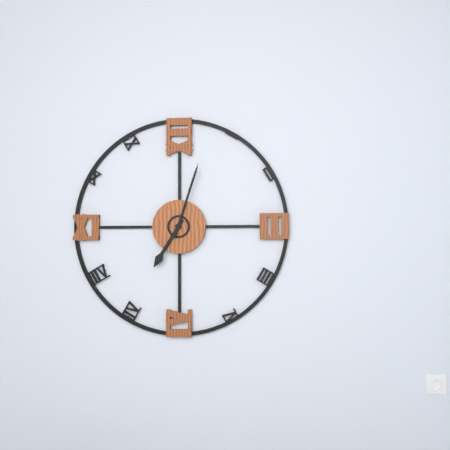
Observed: 7,03
